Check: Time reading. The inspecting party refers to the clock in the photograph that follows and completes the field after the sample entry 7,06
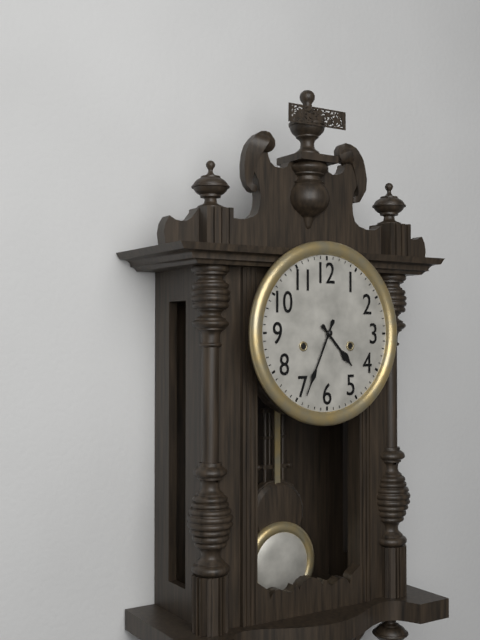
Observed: 4,34
